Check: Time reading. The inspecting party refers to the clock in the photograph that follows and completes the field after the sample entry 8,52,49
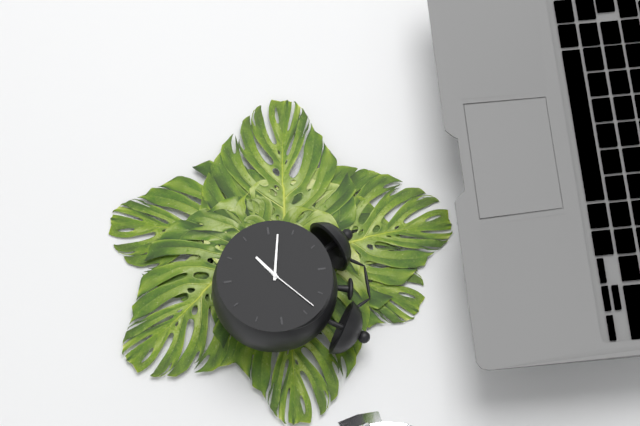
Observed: 7,47,08
